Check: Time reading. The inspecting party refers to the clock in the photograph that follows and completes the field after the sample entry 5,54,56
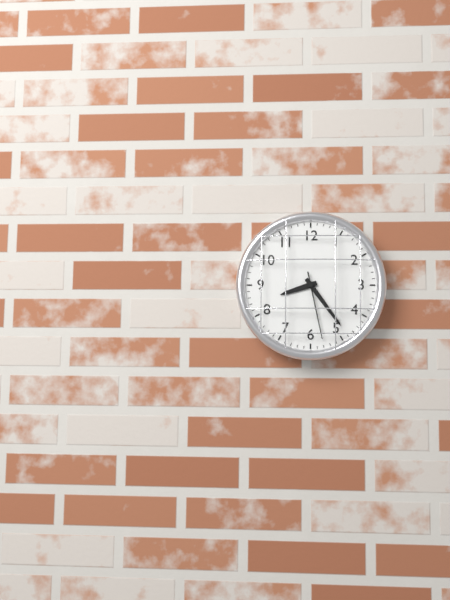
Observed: 8,24,28
